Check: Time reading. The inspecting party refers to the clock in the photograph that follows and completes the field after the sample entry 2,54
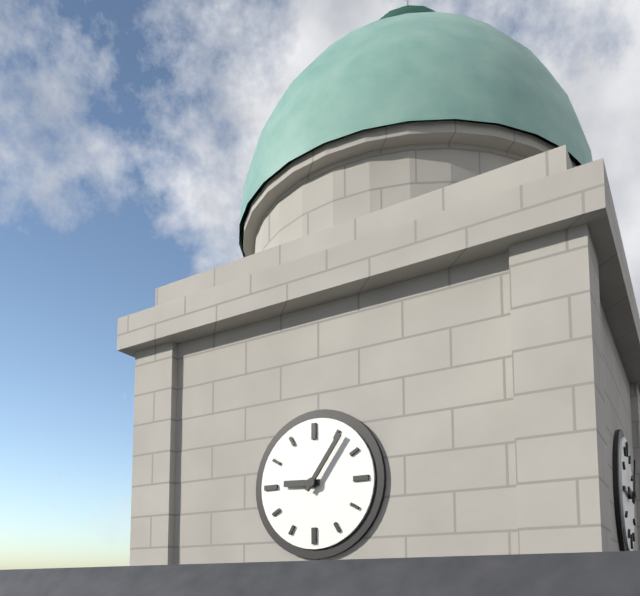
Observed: 9,06
